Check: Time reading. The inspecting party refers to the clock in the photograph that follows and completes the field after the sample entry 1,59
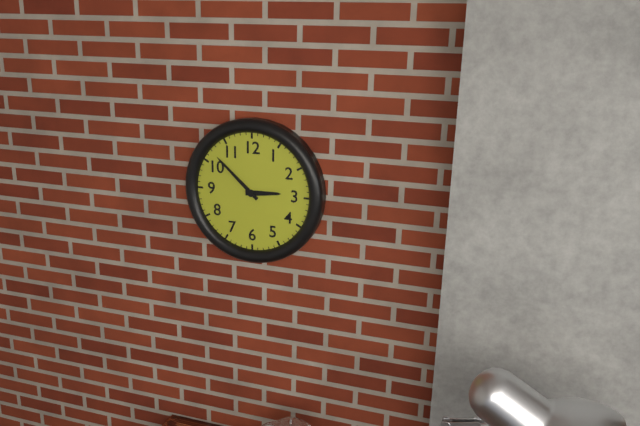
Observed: 2,52
